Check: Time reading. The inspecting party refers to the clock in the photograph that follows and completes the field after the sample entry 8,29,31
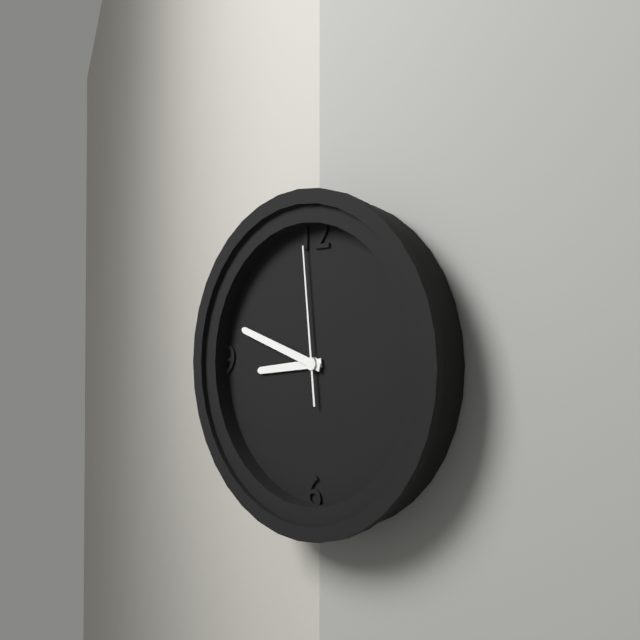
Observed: 8,48,59
